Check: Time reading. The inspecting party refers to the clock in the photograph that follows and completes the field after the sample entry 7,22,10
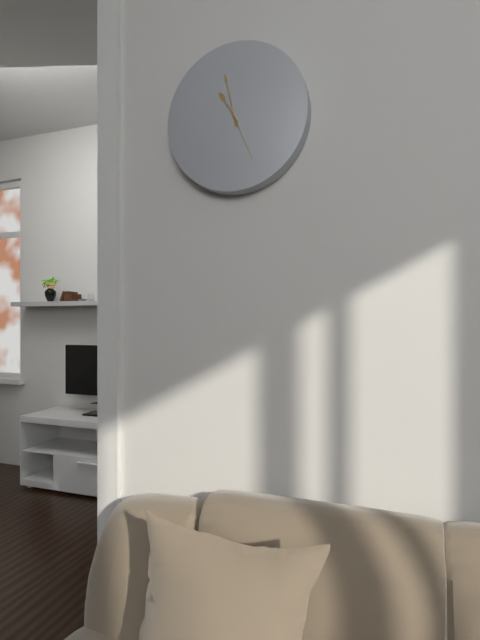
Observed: 10,58,26
